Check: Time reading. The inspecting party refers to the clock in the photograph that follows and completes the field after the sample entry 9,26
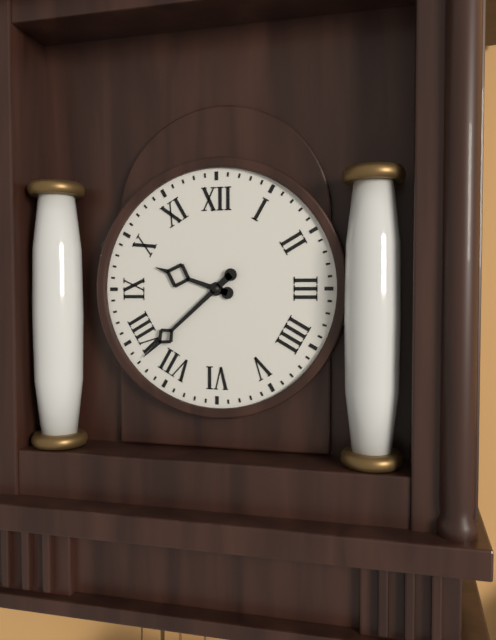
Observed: 9,38
